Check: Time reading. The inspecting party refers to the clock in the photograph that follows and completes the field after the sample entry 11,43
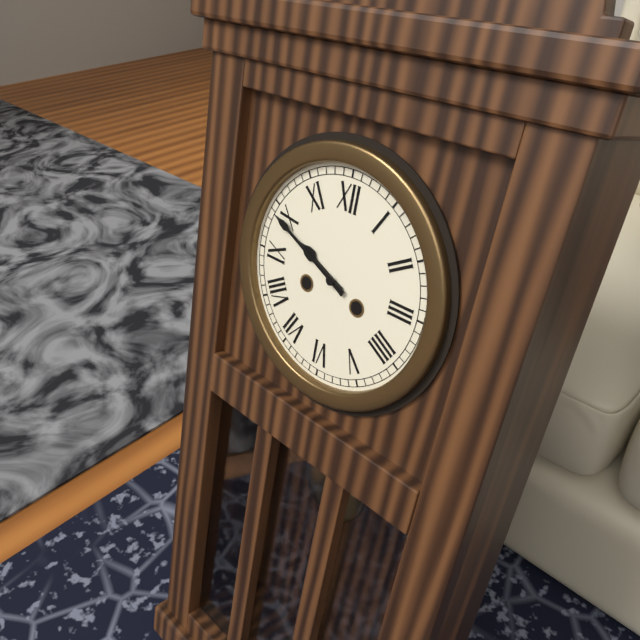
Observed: 9,49
